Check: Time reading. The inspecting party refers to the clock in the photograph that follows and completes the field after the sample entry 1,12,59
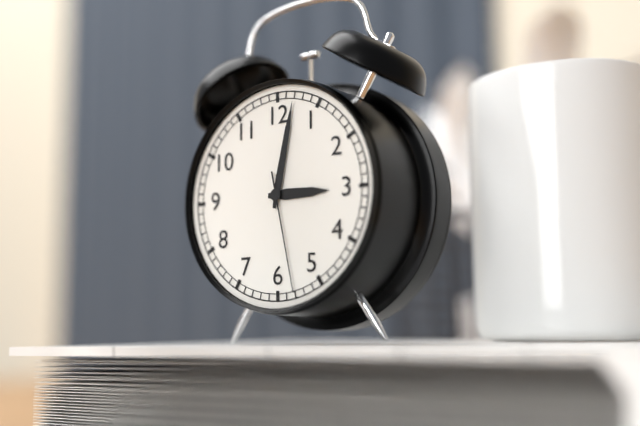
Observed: 3,02,28
